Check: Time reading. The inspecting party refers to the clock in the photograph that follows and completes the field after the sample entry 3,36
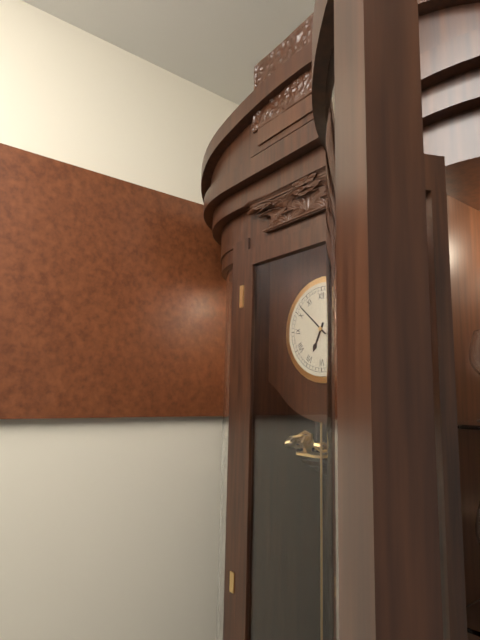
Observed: 6,52
